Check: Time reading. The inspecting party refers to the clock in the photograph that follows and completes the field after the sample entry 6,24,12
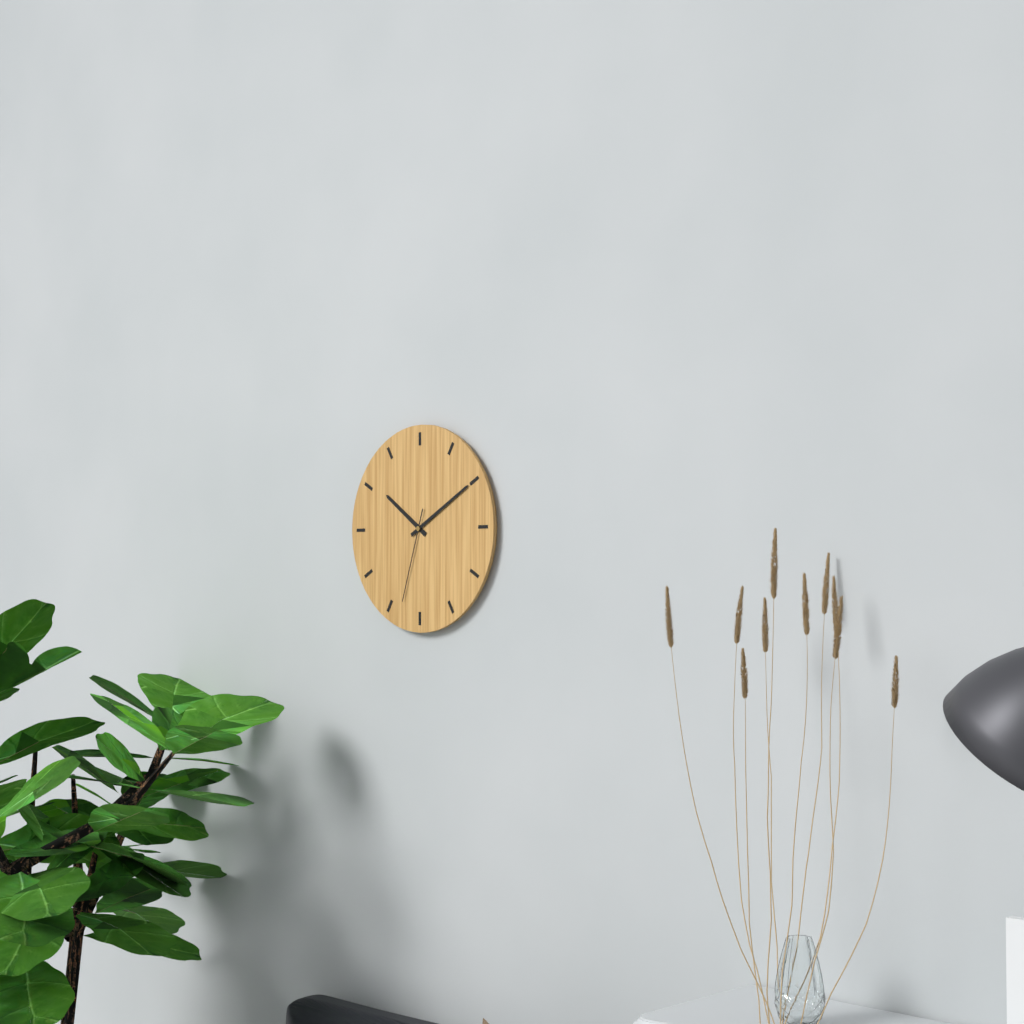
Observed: 10,10,33
